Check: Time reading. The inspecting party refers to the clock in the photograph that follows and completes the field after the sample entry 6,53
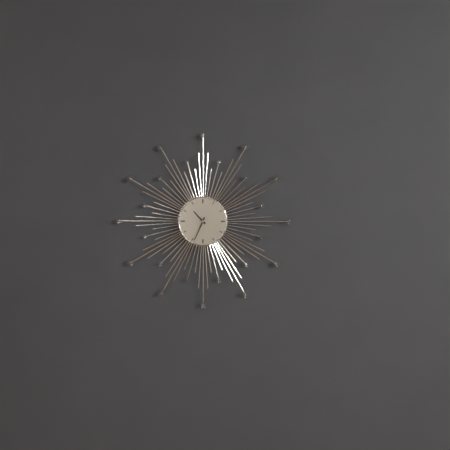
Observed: 10,34
